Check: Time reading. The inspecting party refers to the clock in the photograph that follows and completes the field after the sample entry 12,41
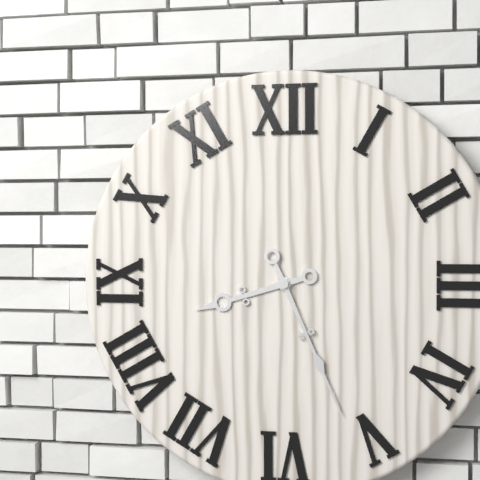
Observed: 8,26
